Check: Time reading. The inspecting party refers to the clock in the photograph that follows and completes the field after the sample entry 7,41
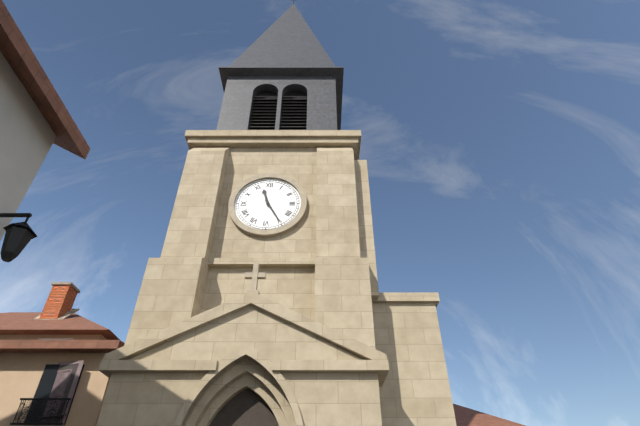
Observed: 11,25
